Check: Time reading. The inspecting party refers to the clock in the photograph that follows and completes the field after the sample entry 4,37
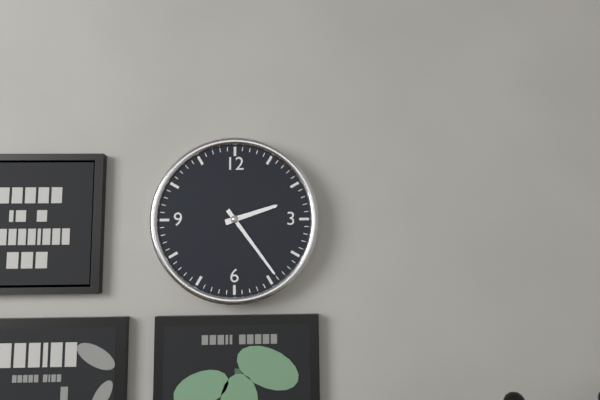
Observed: 2,24
